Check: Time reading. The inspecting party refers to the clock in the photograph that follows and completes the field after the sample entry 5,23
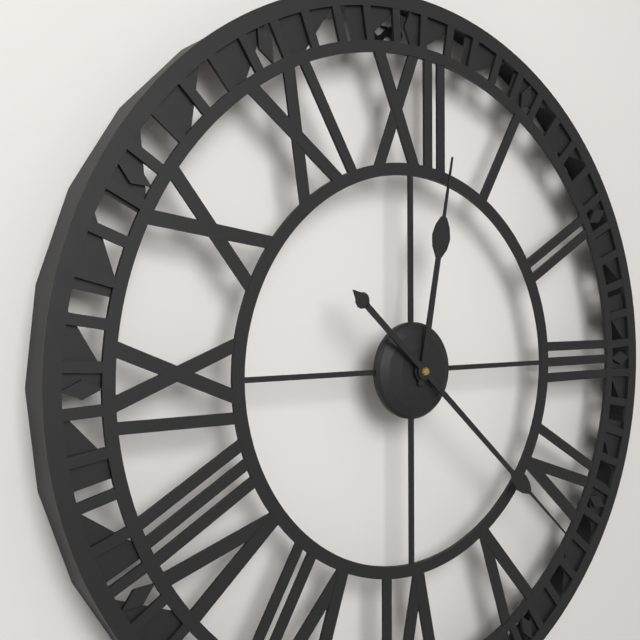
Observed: 12,22
